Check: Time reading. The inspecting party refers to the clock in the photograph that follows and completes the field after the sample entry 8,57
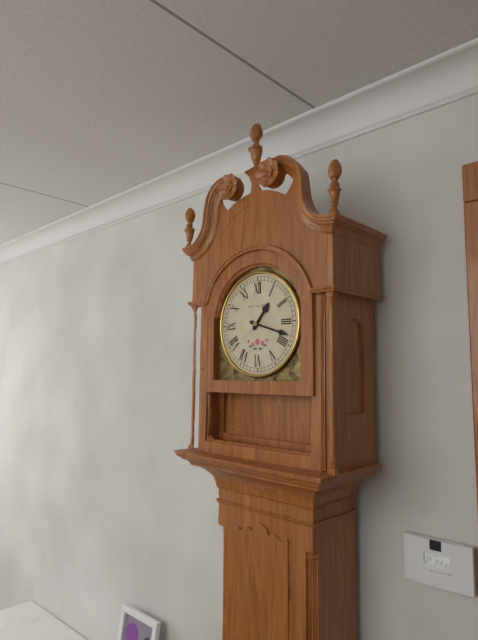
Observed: 1,18
